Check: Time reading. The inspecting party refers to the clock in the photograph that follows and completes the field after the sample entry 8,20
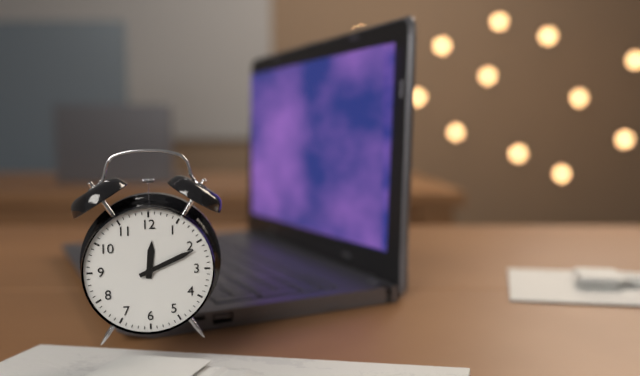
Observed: 12,11
